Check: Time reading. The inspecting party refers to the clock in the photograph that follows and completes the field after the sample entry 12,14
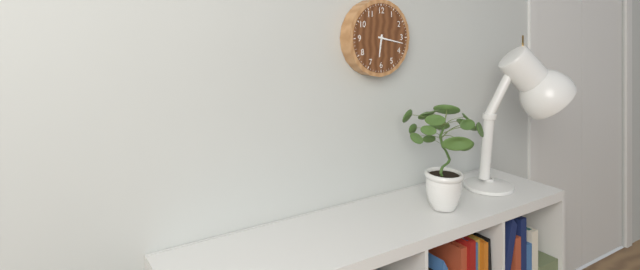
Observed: 6,17
